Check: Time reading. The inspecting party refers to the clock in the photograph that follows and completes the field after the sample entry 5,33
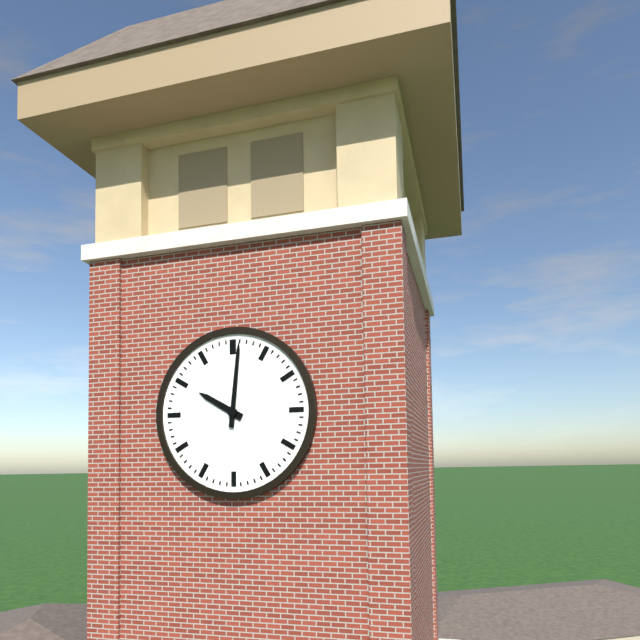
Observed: 10,01
